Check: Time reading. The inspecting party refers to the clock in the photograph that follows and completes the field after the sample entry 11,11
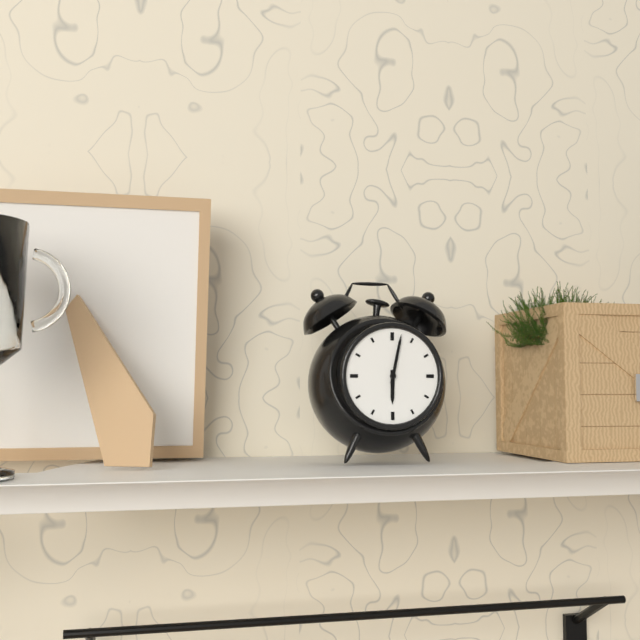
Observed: 6,02
